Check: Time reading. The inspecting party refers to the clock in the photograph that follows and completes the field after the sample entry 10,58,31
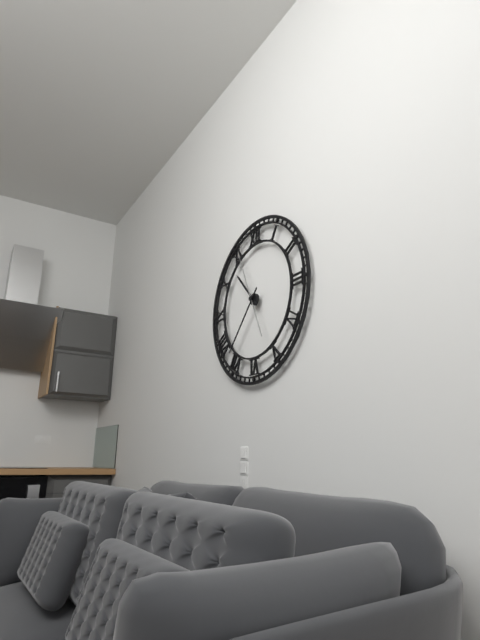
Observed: 10,37,56
